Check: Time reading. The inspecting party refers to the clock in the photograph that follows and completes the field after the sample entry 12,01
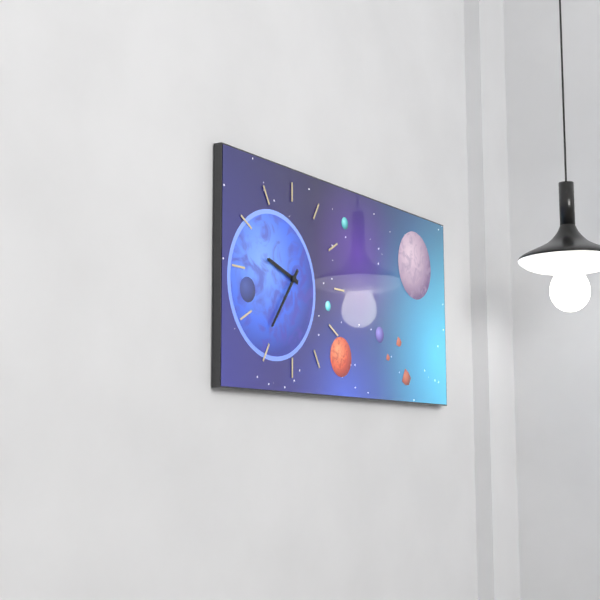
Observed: 9,36
